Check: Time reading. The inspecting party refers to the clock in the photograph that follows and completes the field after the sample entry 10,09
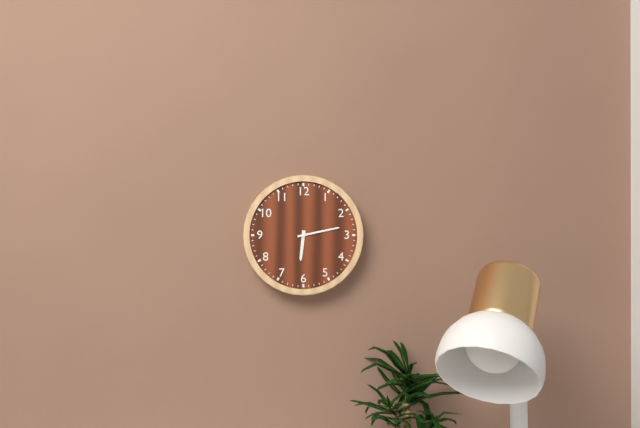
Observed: 6,13
